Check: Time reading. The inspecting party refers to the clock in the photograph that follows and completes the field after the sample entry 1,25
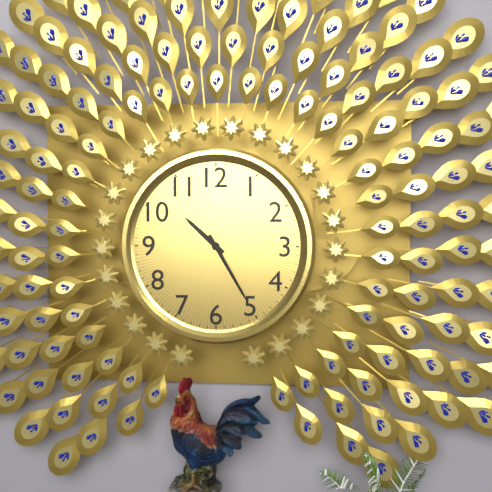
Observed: 10,25
